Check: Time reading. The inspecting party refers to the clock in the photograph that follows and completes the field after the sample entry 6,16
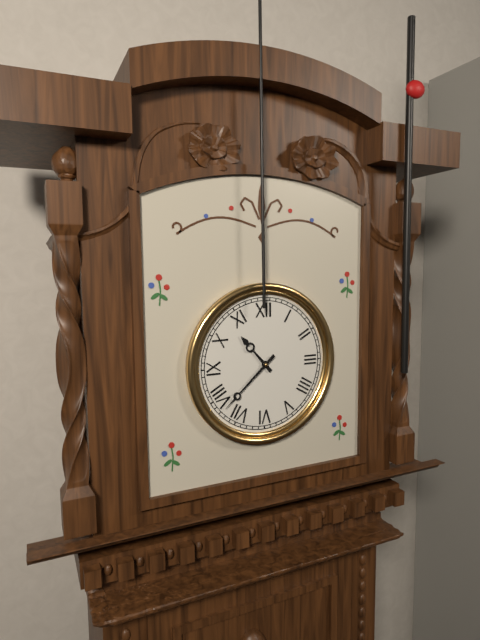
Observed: 10,38
